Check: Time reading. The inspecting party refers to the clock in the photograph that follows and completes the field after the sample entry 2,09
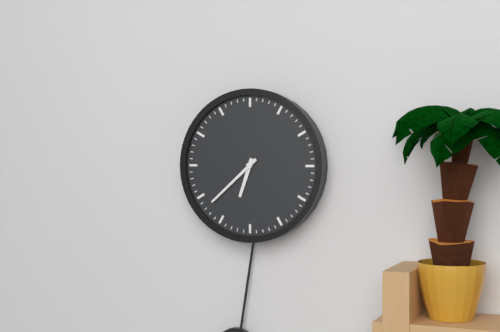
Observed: 6,38
